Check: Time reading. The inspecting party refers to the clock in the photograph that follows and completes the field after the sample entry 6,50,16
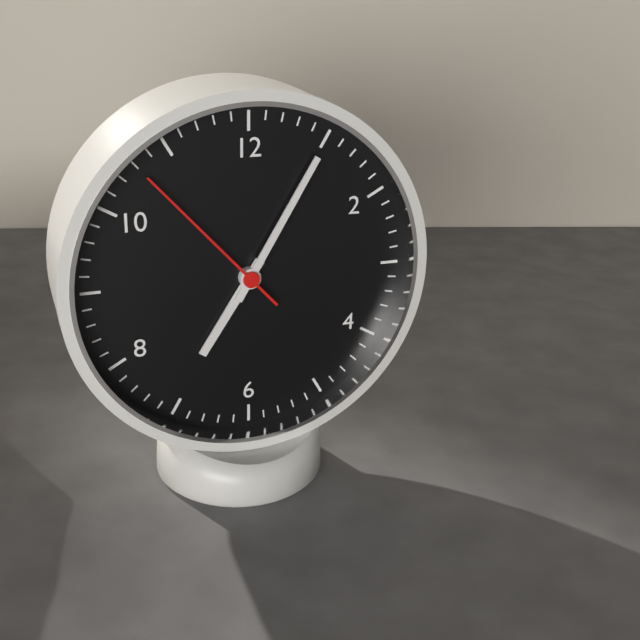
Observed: 7,05,53
